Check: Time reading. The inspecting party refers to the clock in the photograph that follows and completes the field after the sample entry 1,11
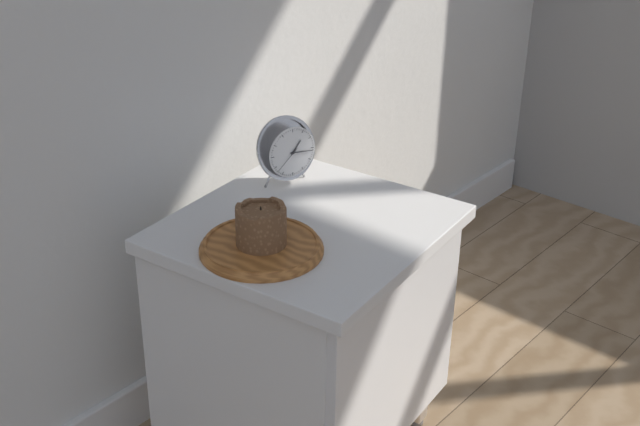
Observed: 1,16
